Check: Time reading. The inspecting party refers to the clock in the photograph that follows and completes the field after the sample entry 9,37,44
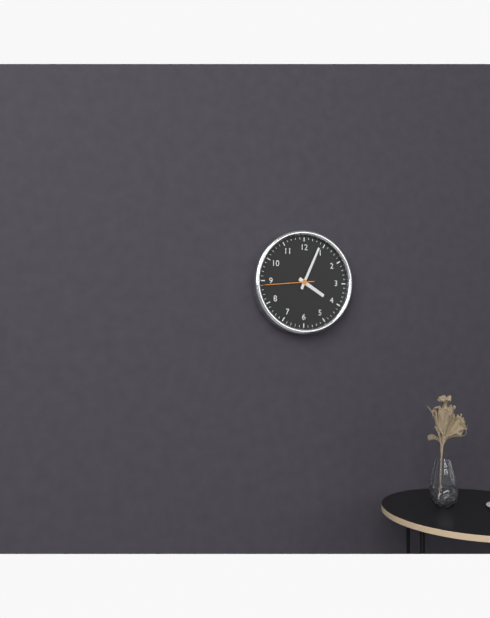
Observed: 4,04,44
